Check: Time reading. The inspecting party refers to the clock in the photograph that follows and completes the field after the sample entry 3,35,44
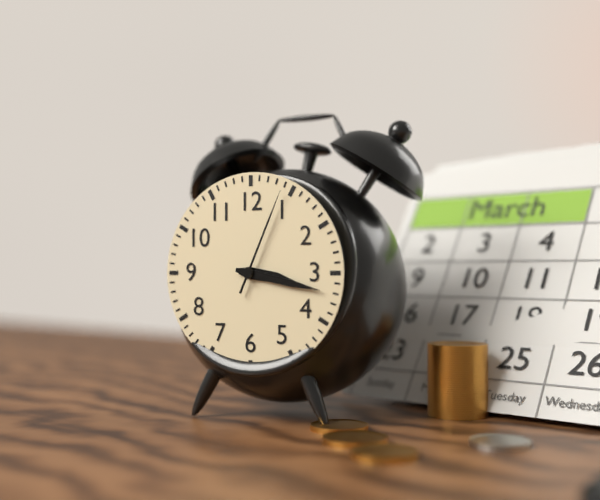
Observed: 3,17,04
